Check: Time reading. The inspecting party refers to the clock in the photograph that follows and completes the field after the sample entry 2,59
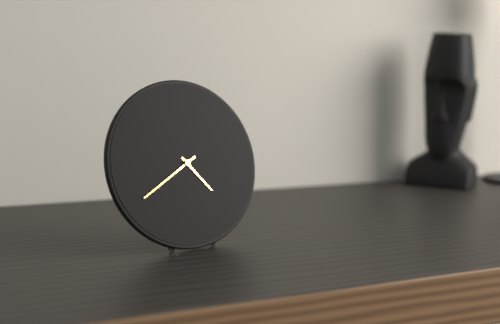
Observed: 4,40
